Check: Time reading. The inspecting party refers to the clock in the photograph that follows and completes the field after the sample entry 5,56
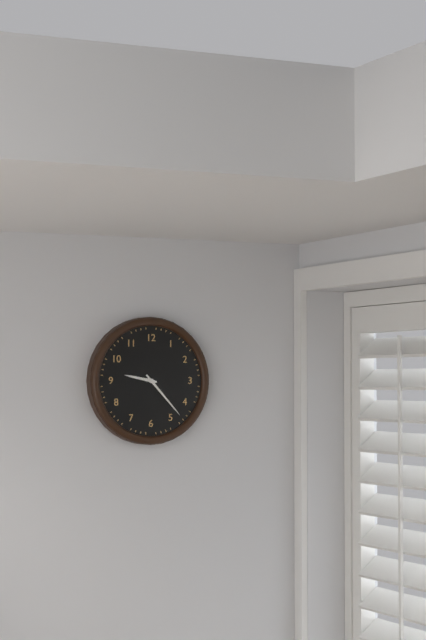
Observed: 9,23
